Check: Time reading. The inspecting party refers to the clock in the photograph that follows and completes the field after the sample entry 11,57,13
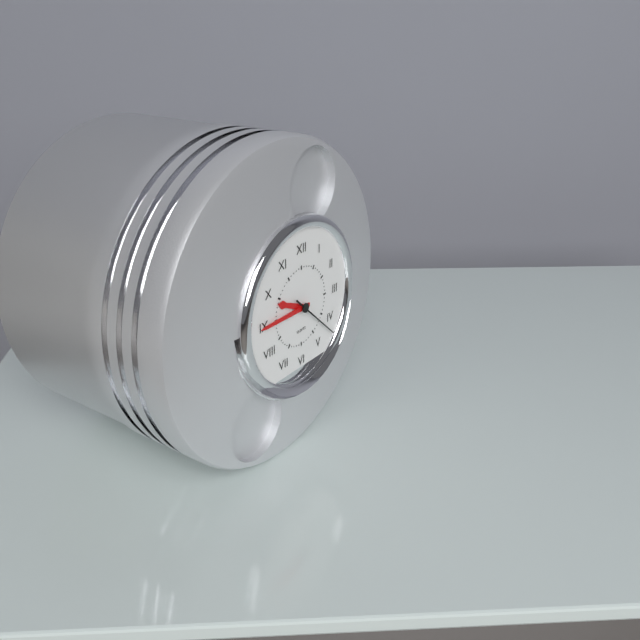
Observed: 9,45,22
